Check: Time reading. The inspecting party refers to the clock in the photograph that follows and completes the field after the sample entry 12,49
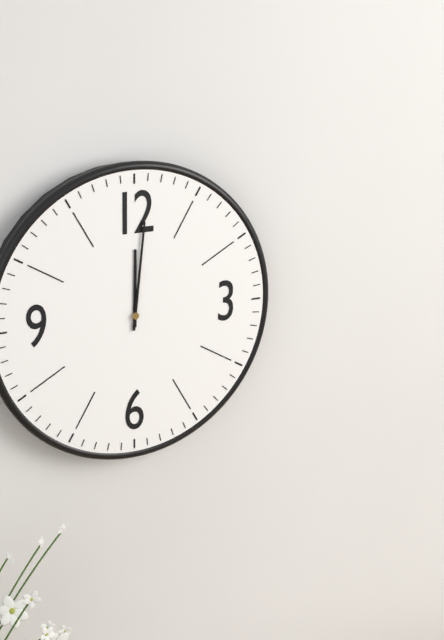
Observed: 12,01
